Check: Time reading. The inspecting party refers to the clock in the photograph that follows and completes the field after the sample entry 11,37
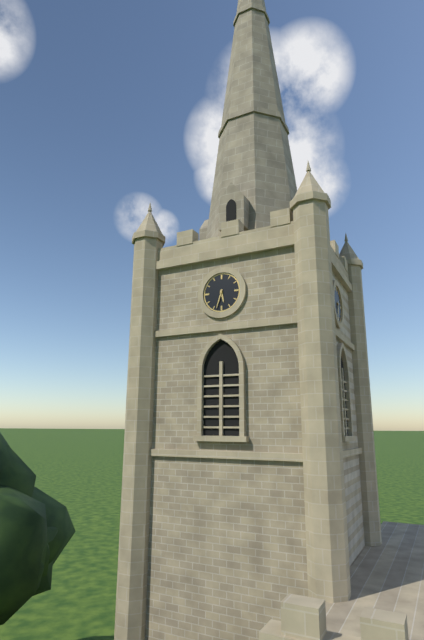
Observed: 5,33
